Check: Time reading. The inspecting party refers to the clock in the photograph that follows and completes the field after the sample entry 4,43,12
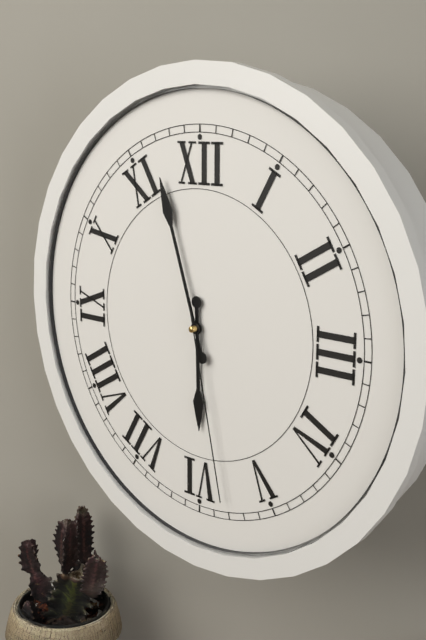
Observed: 5,57,28
